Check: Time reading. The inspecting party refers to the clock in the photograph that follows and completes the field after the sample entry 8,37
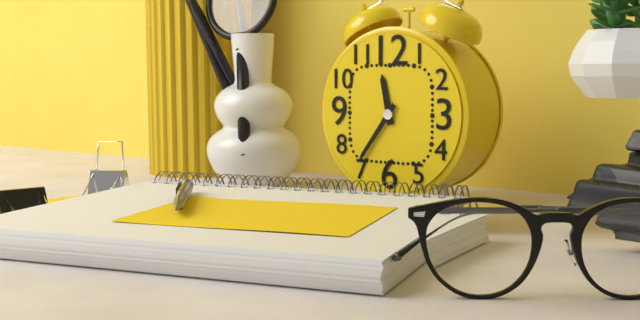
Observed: 11,36
